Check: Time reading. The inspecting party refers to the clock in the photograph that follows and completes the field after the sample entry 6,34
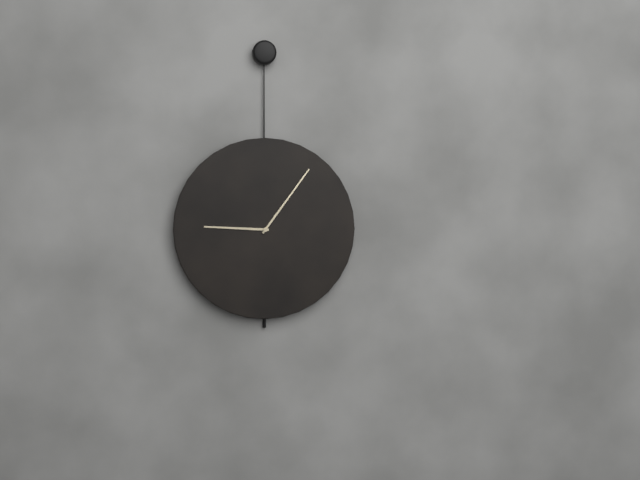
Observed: 9,06
